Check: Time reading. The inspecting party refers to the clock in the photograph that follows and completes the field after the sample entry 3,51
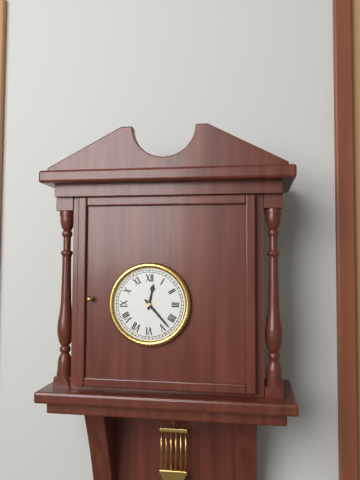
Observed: 12,23
